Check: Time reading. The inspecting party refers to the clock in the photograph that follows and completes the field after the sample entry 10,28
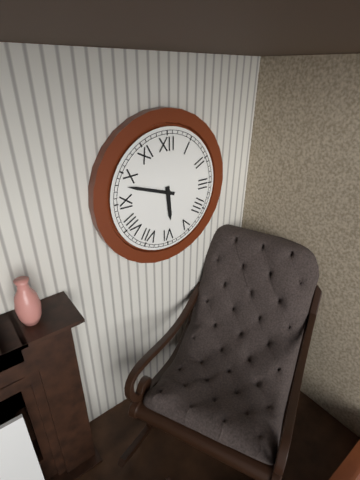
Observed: 5,48
